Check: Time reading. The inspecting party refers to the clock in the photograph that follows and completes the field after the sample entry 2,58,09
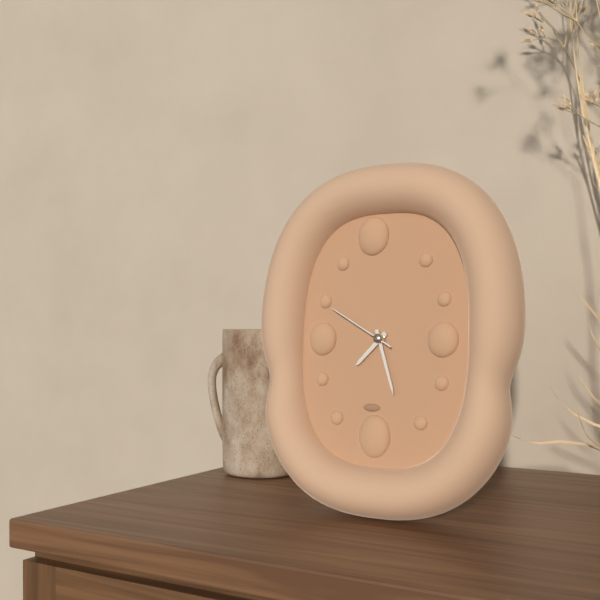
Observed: 7,27,50
